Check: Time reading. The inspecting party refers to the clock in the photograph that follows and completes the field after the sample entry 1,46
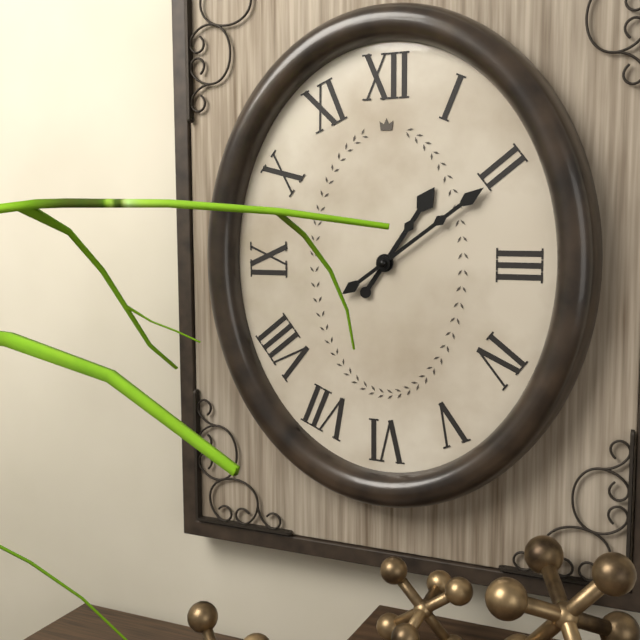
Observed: 1,09
